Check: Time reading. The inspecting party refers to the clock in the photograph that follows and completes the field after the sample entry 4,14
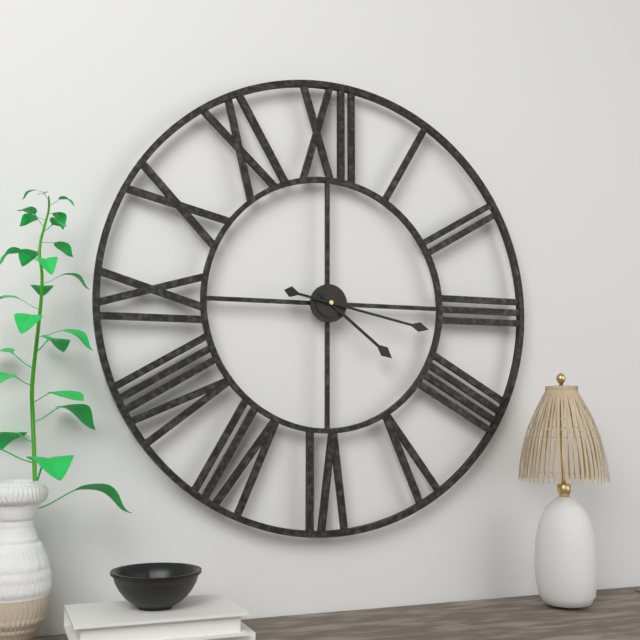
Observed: 4,17
